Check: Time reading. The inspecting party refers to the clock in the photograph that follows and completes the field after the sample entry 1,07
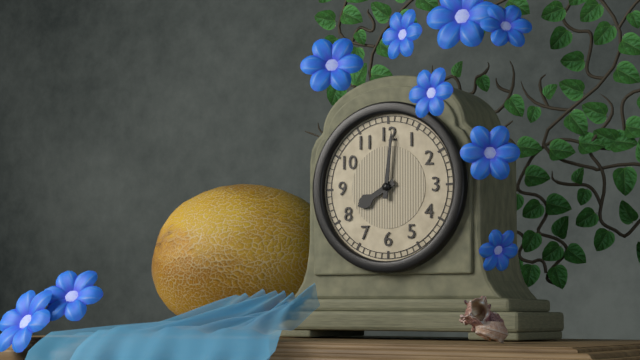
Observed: 8,01
